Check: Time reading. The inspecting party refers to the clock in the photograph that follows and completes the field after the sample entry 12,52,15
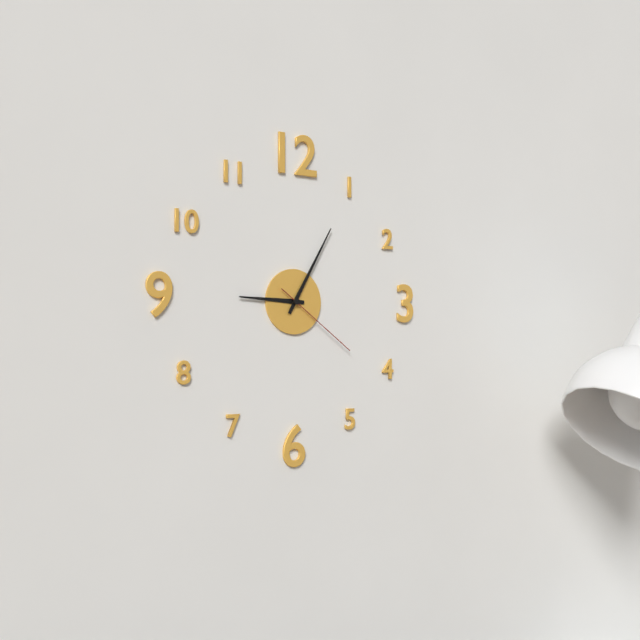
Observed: 9,05,21
